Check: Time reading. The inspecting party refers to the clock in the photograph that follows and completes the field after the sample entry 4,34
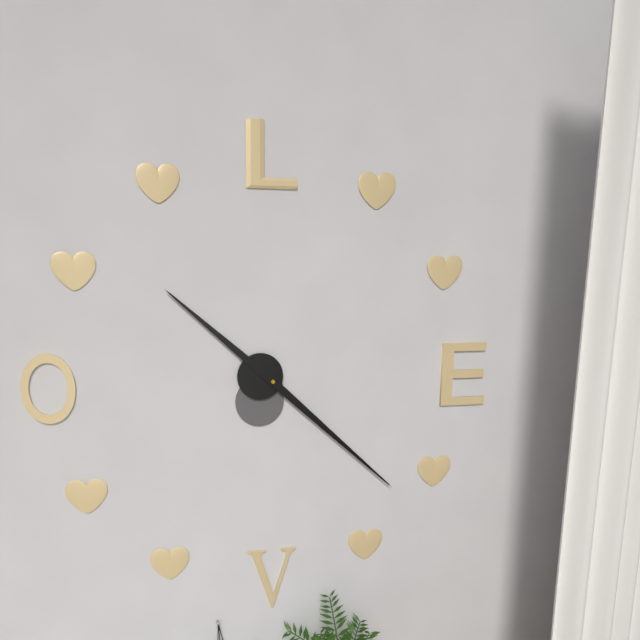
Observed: 10,22
